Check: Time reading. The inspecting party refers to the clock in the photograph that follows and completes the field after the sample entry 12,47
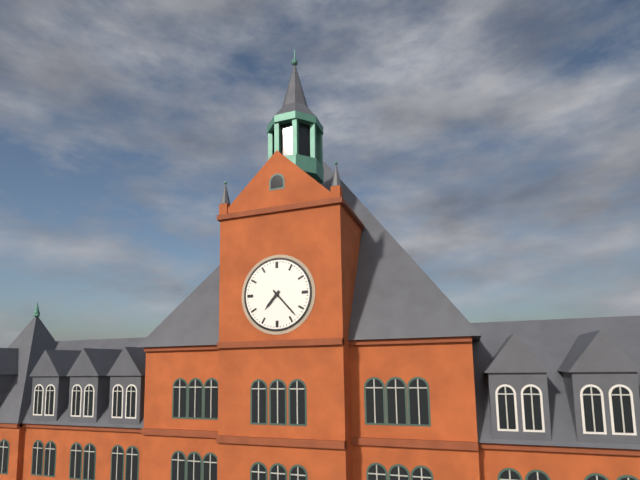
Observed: 7,23
